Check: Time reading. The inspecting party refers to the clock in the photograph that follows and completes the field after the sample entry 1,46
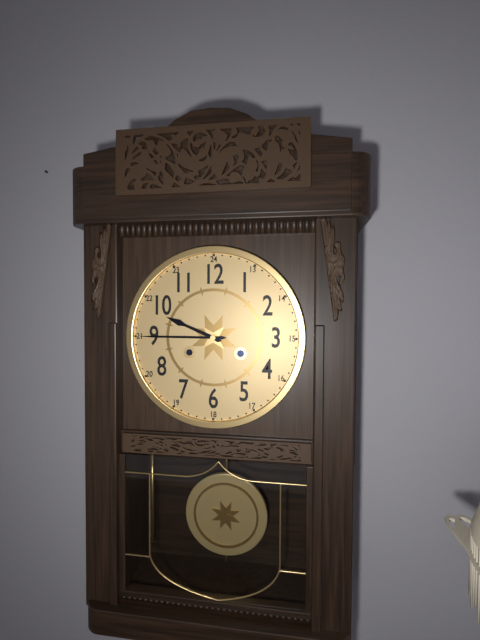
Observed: 9,45
